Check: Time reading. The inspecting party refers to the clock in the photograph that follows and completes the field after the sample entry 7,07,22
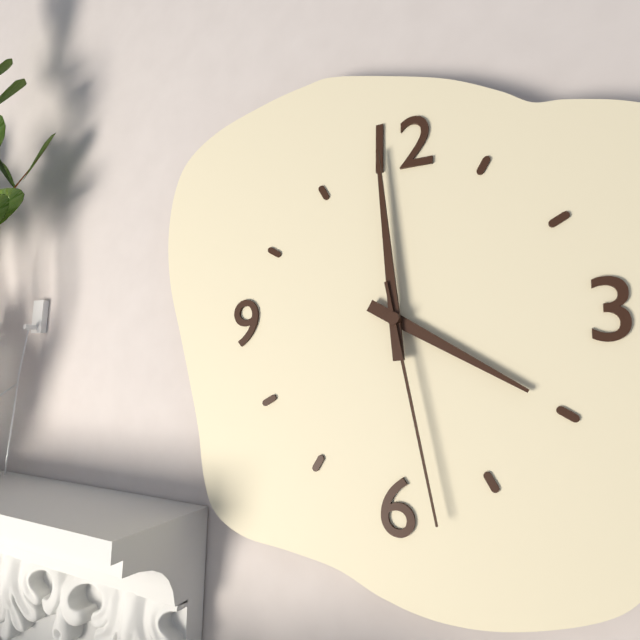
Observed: 3,59,28
